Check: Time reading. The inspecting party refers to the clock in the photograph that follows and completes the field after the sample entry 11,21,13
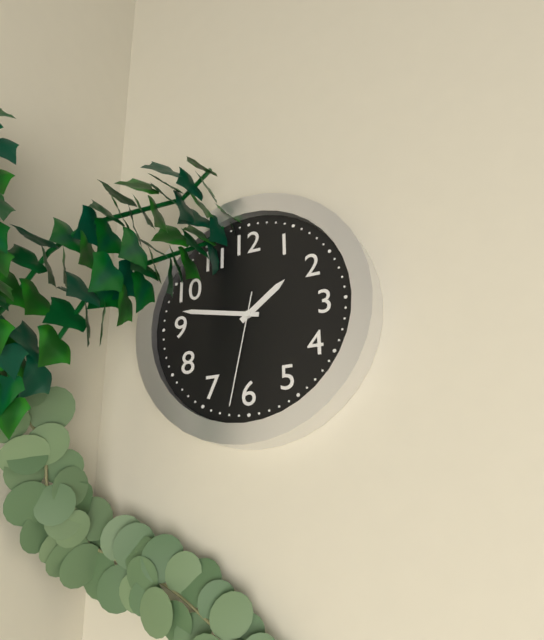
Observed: 1,47,32
